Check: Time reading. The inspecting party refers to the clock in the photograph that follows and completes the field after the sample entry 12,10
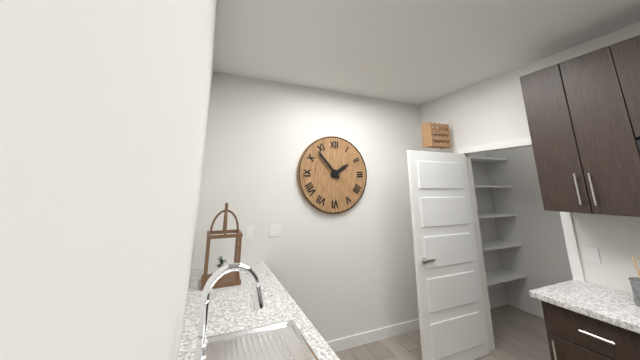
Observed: 1,53
